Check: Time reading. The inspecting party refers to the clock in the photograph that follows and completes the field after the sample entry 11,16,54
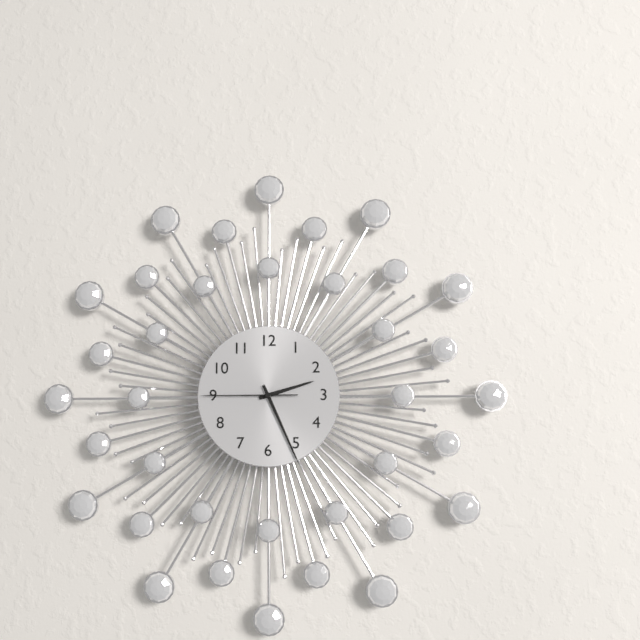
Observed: 2,26,45
